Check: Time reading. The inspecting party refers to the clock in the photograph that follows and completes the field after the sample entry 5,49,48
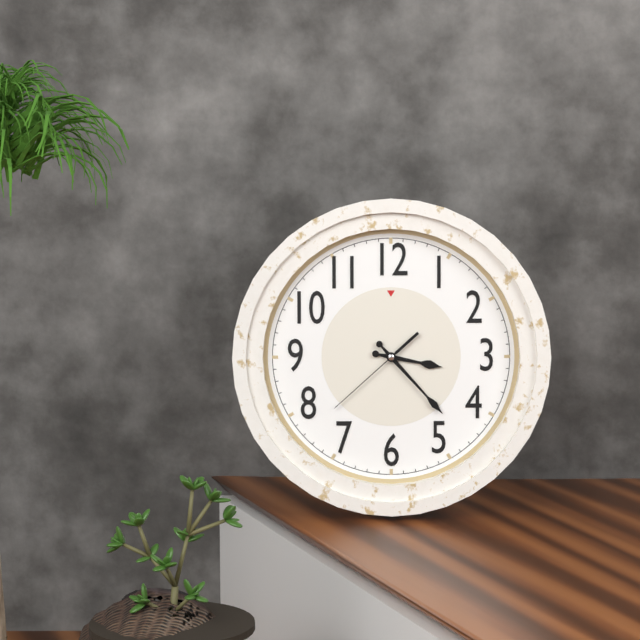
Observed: 3,23,38
